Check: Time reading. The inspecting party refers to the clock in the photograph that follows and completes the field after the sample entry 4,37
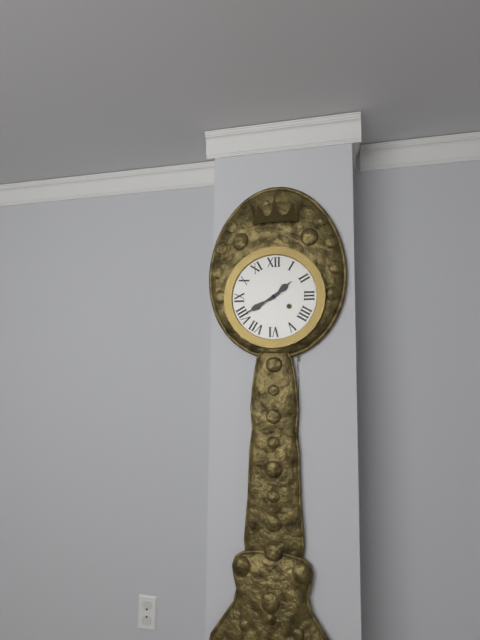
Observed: 1,40
